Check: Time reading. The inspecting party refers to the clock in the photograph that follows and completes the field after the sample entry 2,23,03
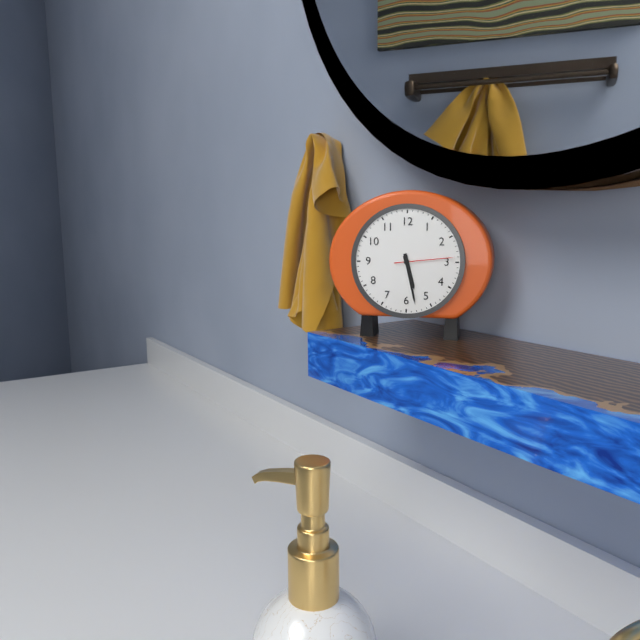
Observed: 5,28,14
